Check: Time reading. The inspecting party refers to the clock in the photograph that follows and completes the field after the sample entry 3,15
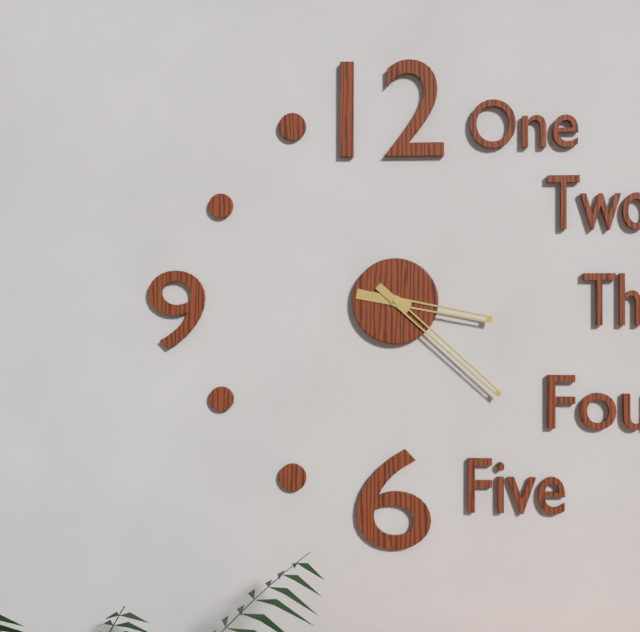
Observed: 3,22
